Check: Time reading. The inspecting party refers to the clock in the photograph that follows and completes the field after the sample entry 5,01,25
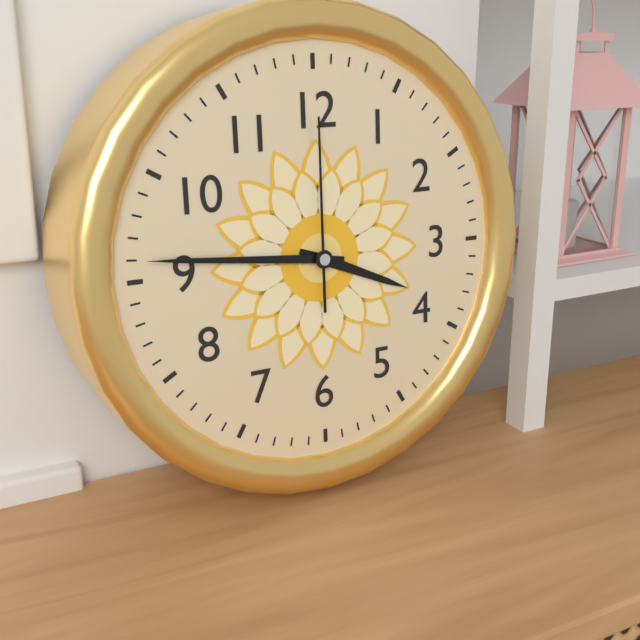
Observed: 3,46,00
